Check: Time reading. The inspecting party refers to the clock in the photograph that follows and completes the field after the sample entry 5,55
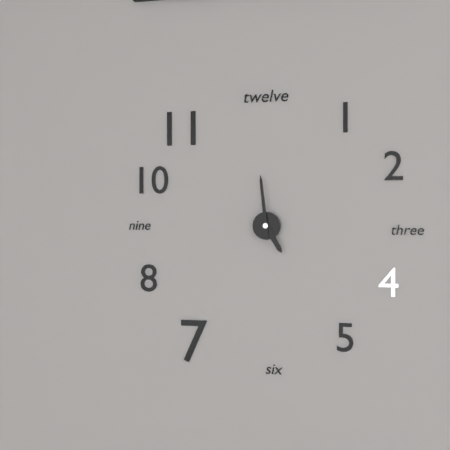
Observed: 4,59
